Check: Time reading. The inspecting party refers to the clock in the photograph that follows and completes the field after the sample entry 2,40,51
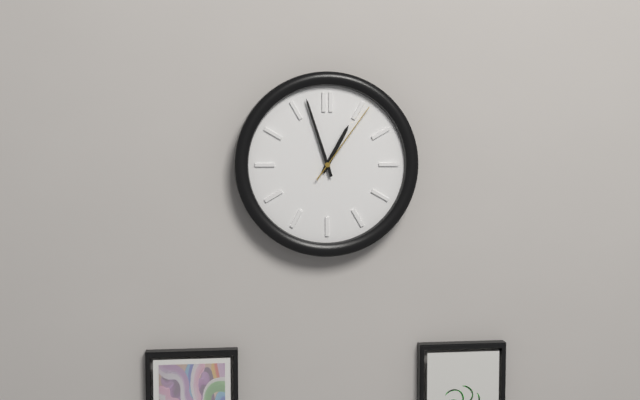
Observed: 12,57,06
